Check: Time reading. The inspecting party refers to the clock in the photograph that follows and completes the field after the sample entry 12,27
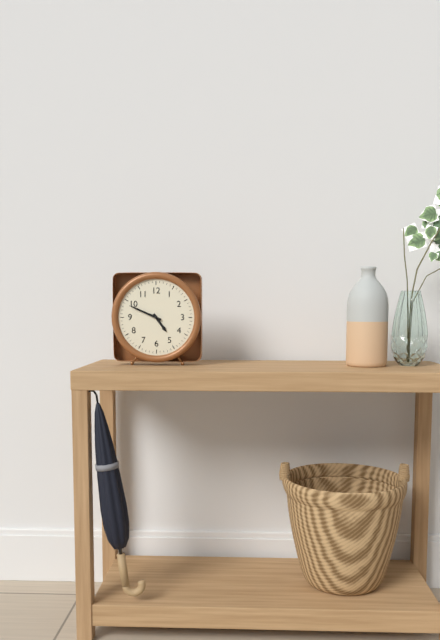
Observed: 4,49
